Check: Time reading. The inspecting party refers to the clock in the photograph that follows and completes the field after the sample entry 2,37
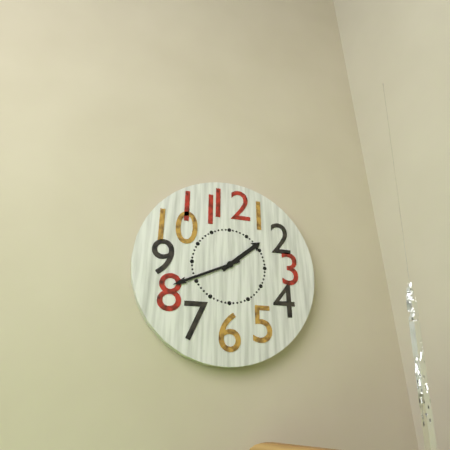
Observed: 1,41
